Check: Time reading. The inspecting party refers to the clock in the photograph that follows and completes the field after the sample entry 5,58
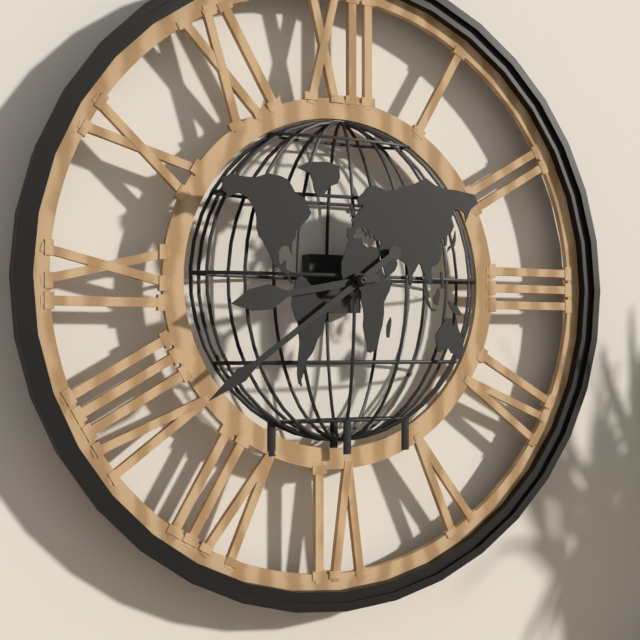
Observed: 8,39
